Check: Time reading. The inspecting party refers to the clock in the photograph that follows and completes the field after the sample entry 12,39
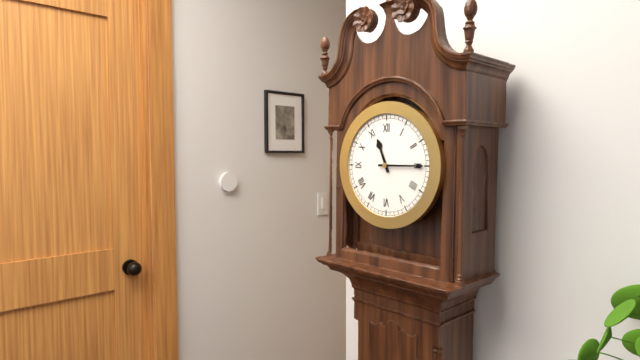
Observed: 11,15
